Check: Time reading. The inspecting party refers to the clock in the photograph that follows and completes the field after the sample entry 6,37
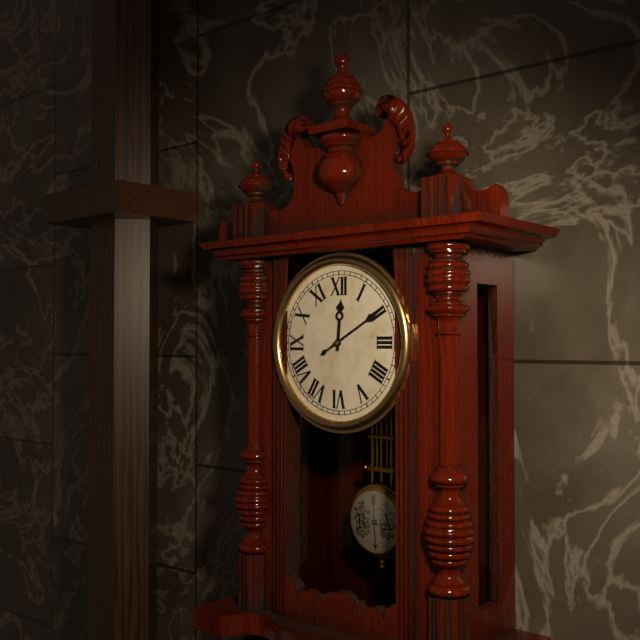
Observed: 12,10
